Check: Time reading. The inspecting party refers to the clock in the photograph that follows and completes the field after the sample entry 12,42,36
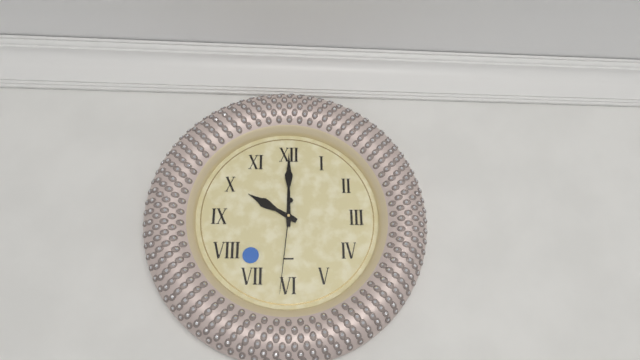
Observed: 10,00,31
